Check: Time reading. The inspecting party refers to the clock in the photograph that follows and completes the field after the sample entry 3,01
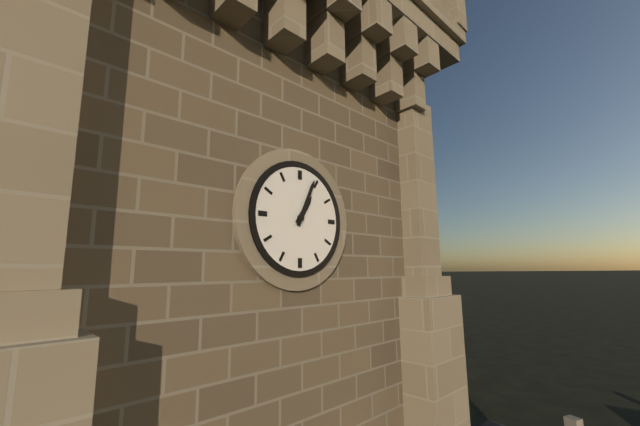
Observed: 1,04
